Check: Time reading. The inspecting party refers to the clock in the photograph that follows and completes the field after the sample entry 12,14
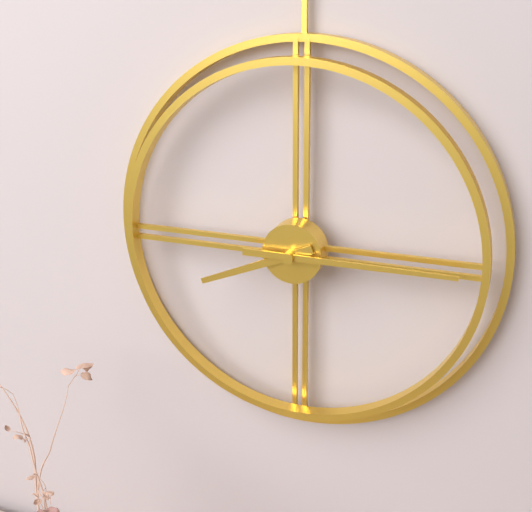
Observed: 8,15
